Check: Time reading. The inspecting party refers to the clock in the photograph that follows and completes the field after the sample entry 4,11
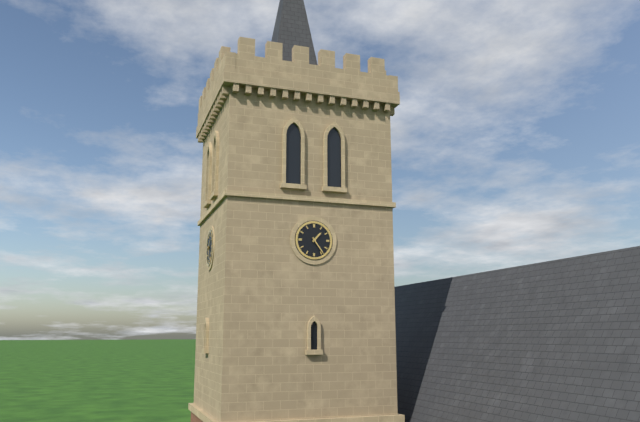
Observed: 1,24
